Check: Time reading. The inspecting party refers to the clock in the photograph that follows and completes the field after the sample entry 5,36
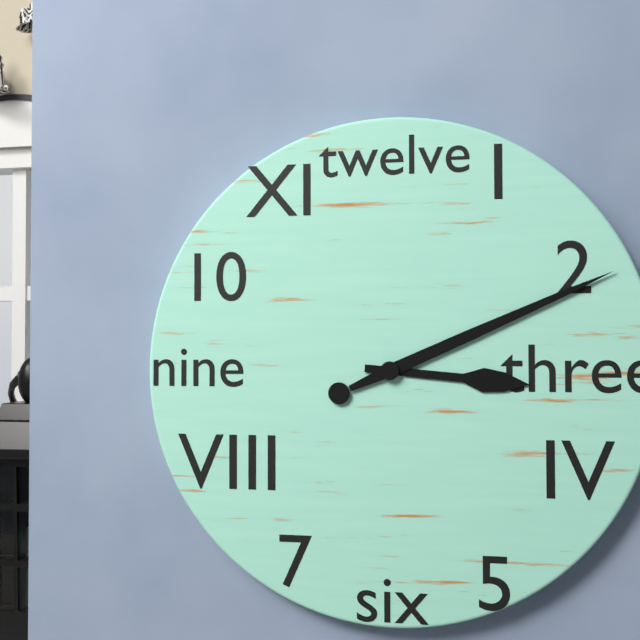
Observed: 3,11
